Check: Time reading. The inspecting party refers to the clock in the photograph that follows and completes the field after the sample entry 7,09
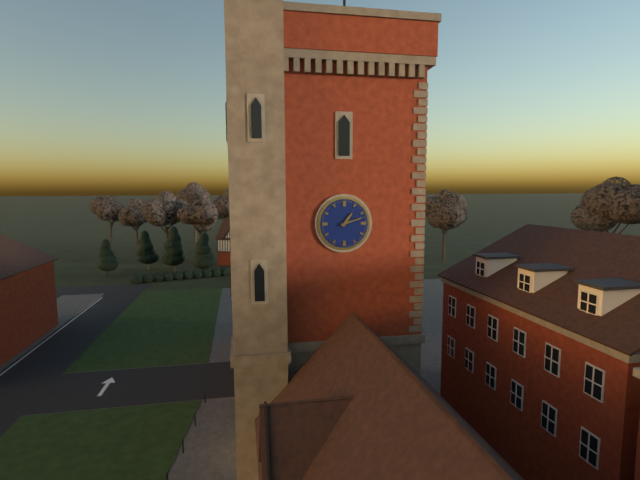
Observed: 1,12
